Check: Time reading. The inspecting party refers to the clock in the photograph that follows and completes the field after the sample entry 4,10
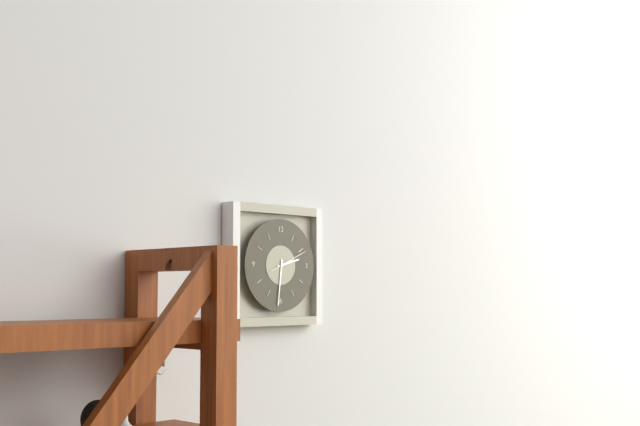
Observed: 2,31
